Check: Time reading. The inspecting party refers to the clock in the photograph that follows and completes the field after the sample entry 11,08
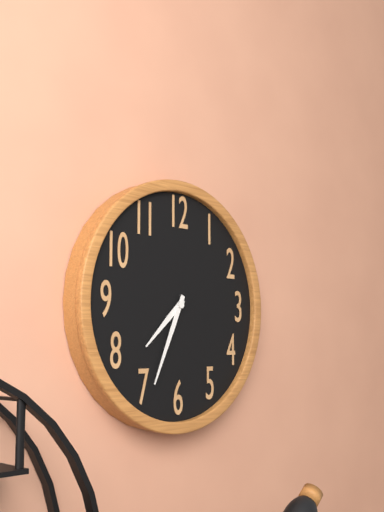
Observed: 7,34
